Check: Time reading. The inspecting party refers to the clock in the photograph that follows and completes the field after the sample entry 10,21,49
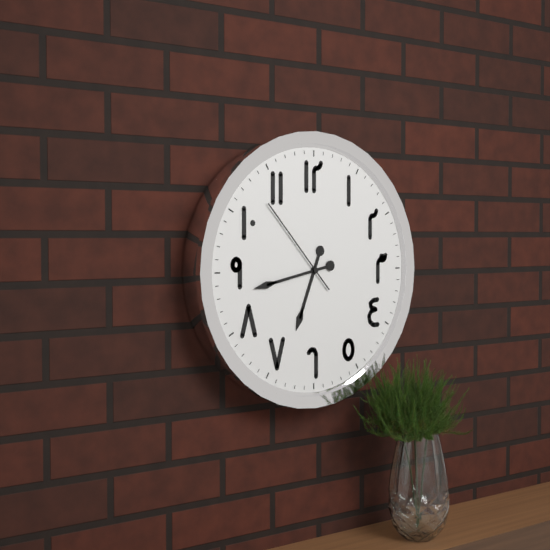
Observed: 6,43,53
